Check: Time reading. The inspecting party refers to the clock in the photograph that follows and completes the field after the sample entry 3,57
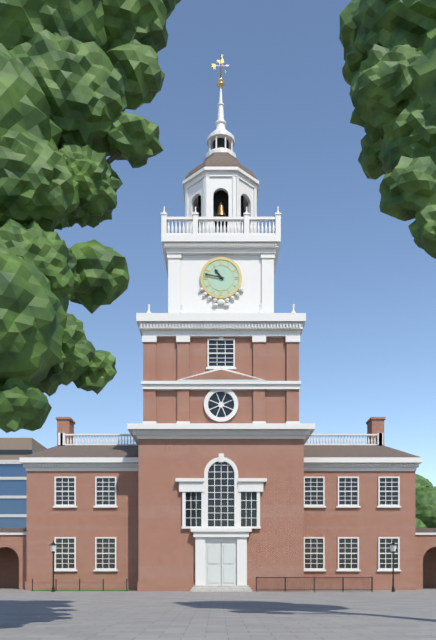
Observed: 10,47
